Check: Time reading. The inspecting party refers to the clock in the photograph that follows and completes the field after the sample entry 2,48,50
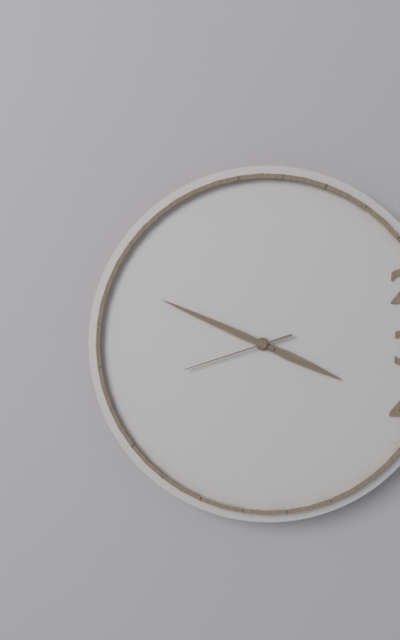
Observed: 3,49,42
